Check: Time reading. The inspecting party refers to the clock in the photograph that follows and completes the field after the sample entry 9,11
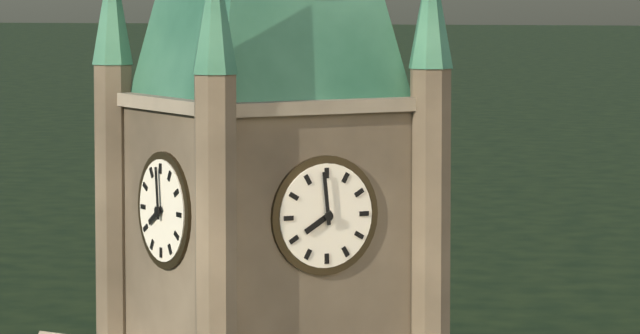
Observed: 7,59
